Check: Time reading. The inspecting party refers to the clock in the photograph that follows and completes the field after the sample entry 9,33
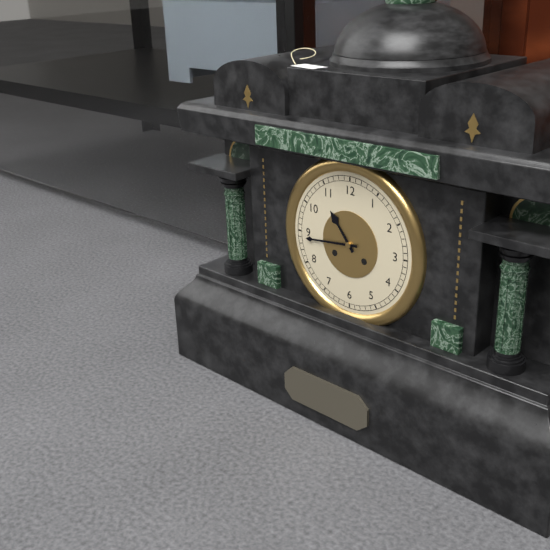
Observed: 10,44
